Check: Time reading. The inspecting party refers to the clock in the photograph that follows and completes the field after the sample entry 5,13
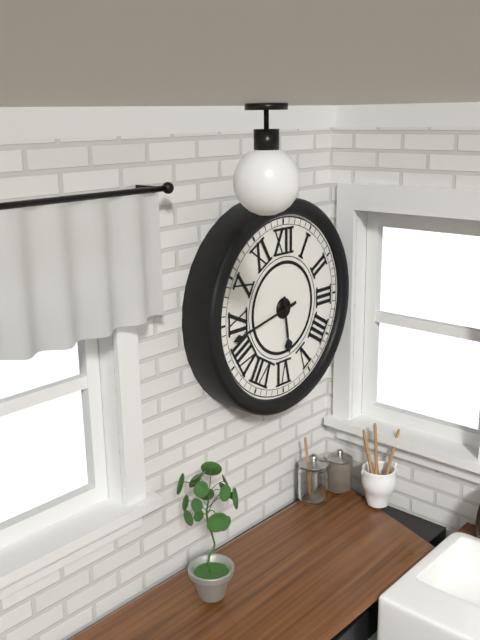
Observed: 5,43
